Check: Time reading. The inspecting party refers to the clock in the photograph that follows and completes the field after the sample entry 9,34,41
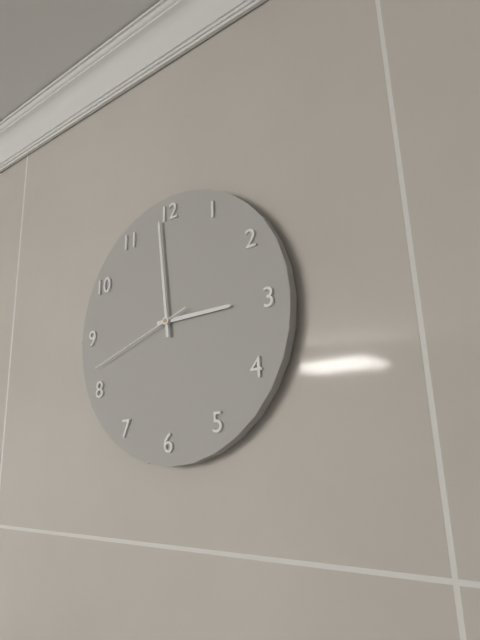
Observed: 2,59,42
